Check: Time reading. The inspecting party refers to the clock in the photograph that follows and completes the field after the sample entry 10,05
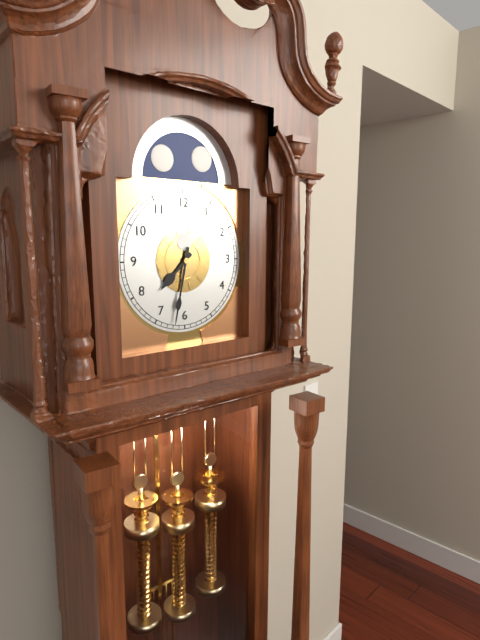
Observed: 7,32
